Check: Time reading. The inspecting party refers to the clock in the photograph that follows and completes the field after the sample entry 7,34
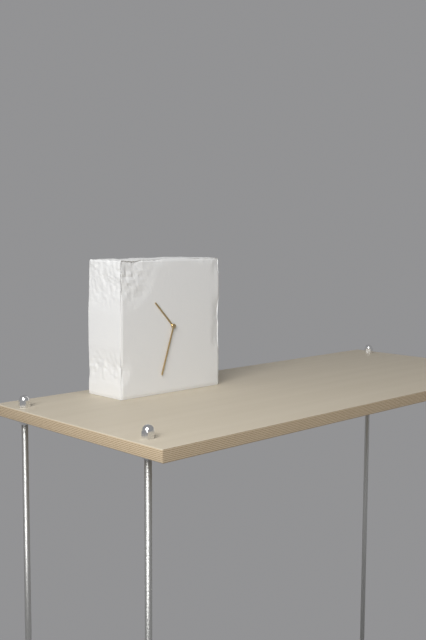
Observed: 10,33
